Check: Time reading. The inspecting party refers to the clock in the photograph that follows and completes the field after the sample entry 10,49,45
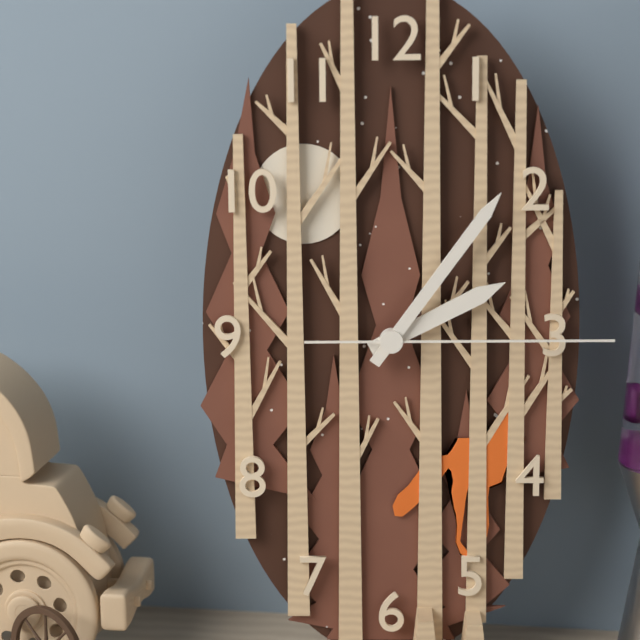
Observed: 2,06,15
